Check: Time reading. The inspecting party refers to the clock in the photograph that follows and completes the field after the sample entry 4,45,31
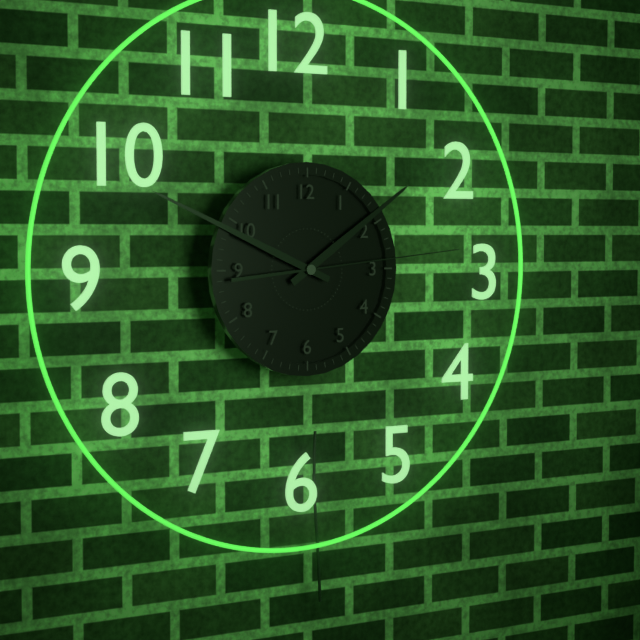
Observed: 1,49,14
